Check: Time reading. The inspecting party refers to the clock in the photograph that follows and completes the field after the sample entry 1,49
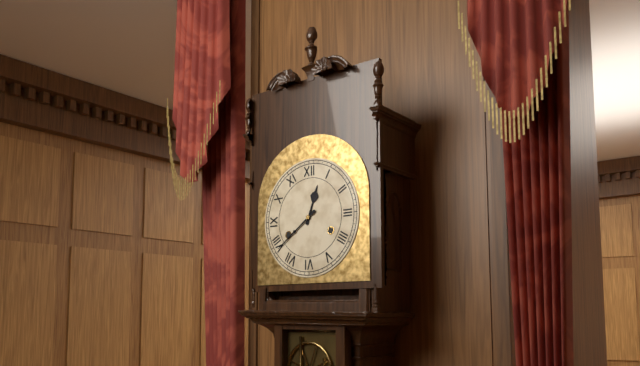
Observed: 12,39
